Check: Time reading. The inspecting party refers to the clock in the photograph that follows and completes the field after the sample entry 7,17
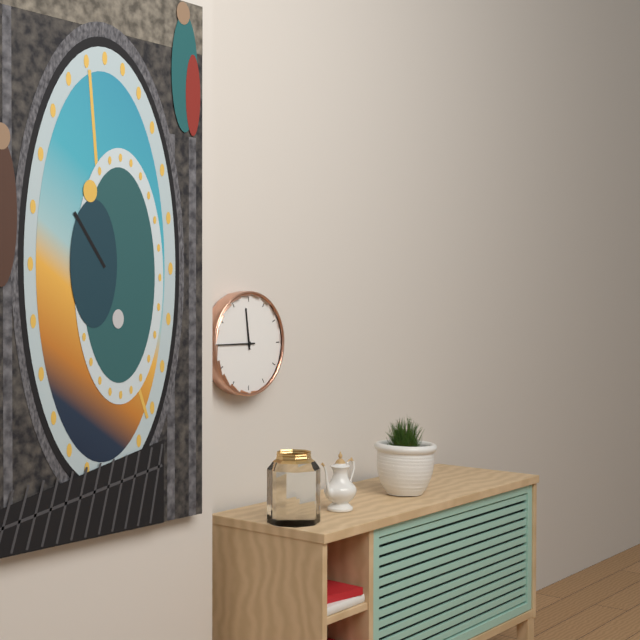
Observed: 11,45
